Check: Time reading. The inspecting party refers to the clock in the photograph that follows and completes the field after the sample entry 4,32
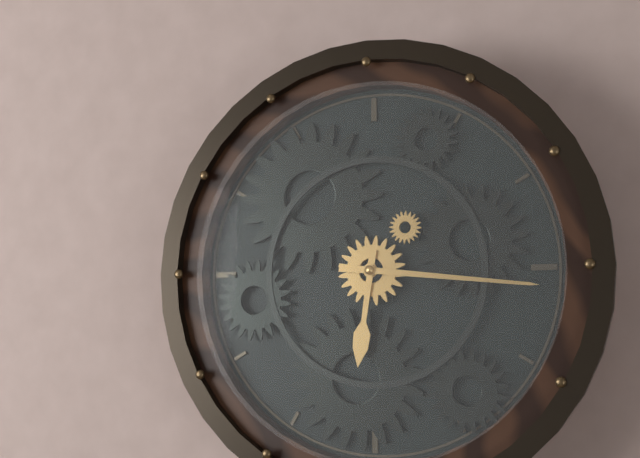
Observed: 6,16
